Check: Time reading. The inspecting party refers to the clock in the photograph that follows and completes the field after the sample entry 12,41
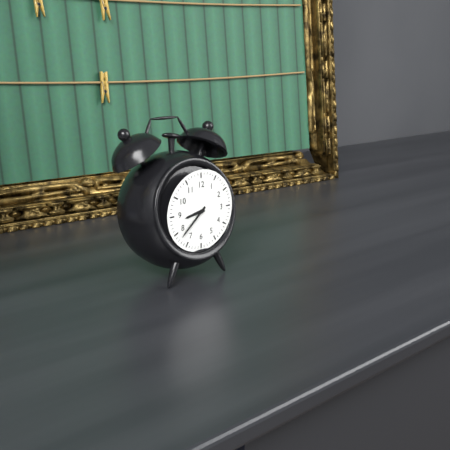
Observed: 8,38
